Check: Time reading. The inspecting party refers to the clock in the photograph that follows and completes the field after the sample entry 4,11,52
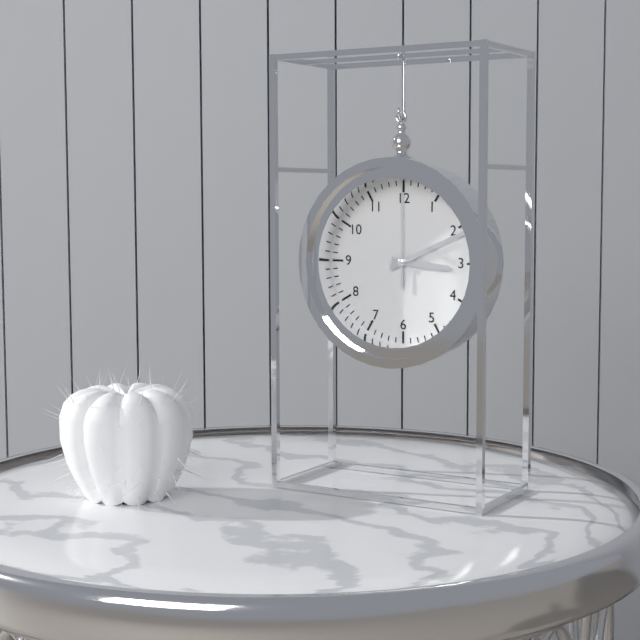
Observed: 3,11,00
